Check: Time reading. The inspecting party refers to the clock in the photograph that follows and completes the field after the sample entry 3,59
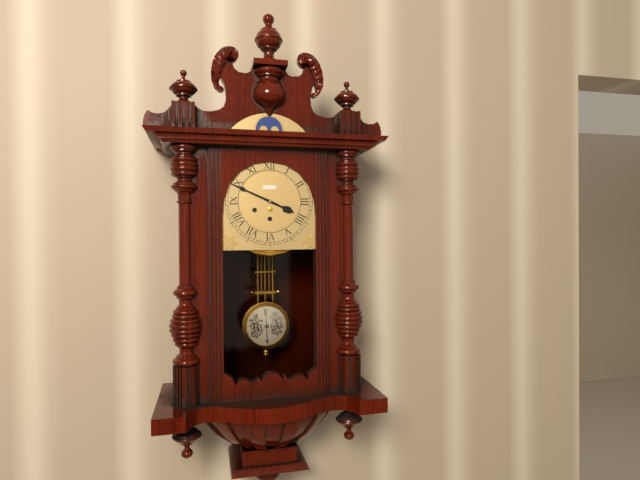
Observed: 3,49
